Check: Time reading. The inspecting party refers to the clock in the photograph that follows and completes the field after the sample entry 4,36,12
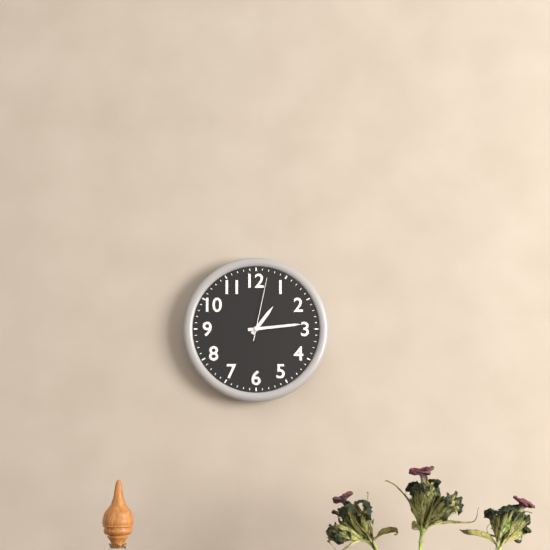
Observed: 1,14,02
